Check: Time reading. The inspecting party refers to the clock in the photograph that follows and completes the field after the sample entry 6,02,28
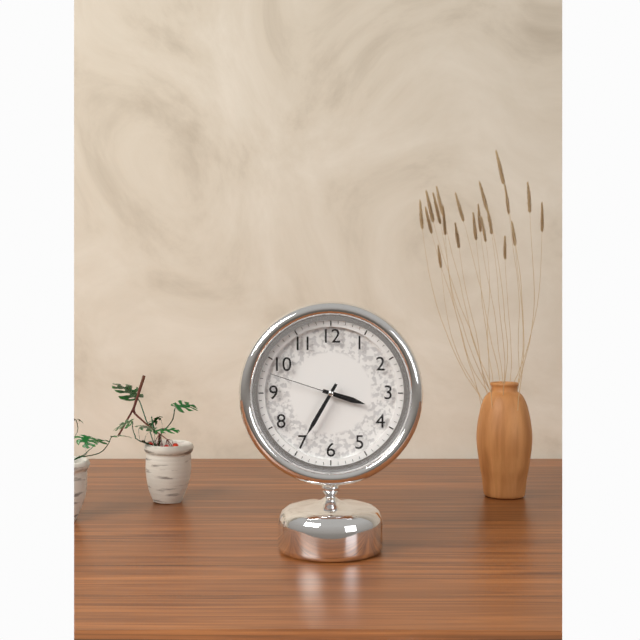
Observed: 3,35,48
